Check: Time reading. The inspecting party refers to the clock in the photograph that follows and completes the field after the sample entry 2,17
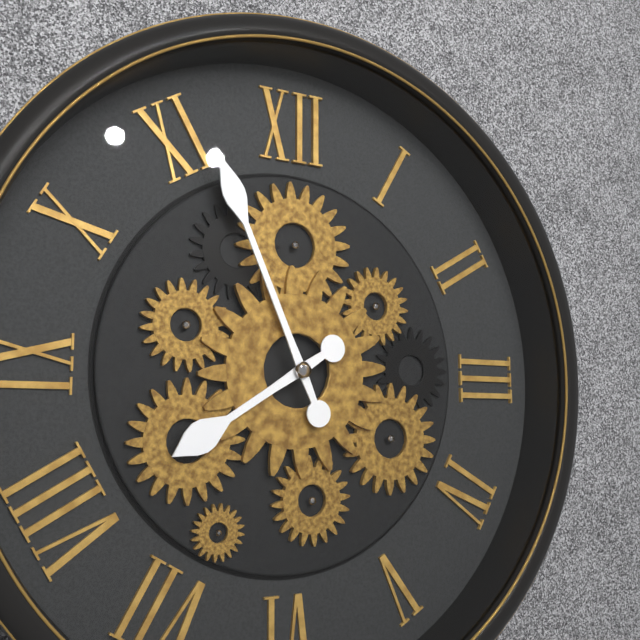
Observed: 7,56
